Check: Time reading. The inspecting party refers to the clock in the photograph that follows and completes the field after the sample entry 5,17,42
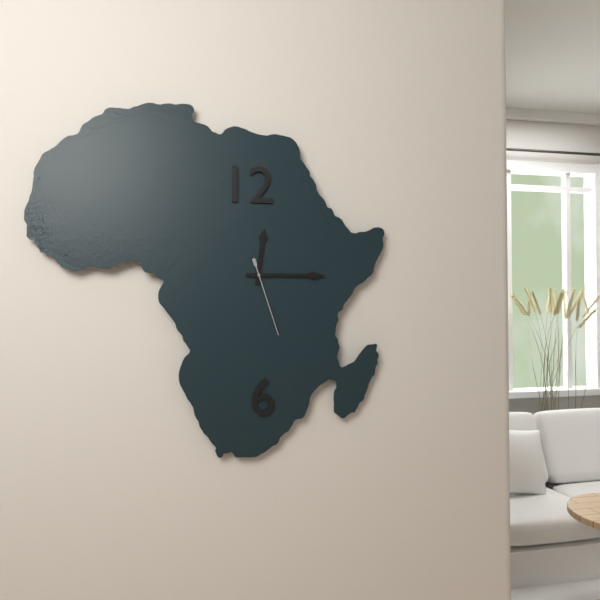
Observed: 12,15,27
